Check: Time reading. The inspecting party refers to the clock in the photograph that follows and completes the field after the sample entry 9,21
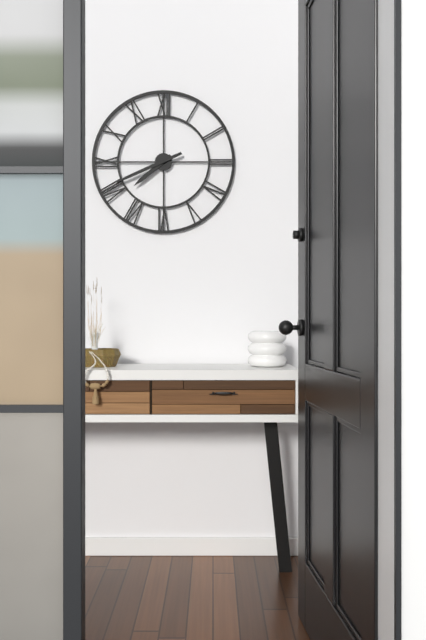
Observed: 7,41
